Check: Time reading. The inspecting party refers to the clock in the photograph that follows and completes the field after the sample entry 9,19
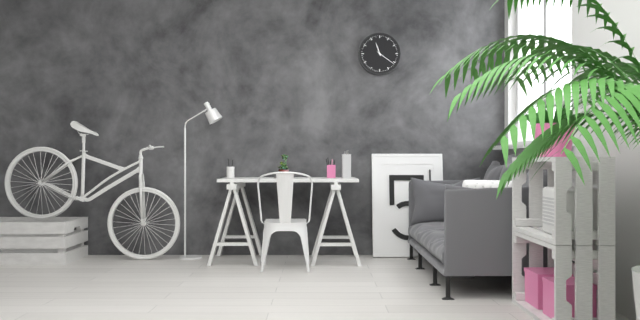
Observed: 11,21
